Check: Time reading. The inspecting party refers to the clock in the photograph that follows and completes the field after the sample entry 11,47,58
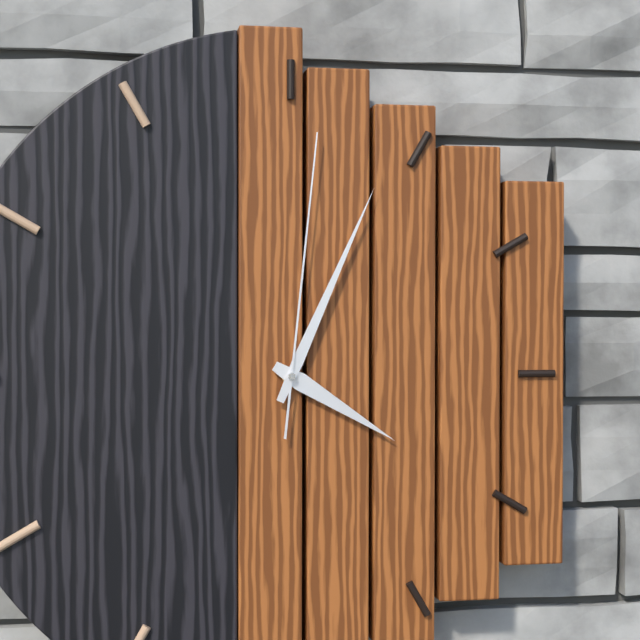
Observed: 4,04,01
